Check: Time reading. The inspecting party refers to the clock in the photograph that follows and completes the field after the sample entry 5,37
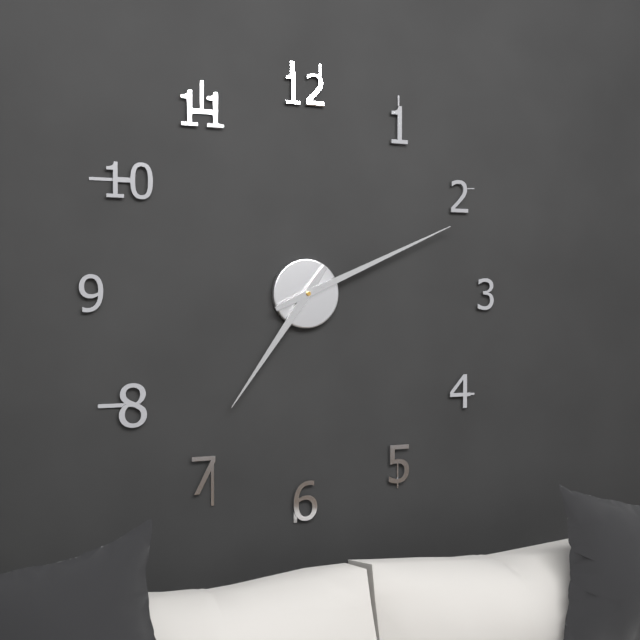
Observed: 7,11
